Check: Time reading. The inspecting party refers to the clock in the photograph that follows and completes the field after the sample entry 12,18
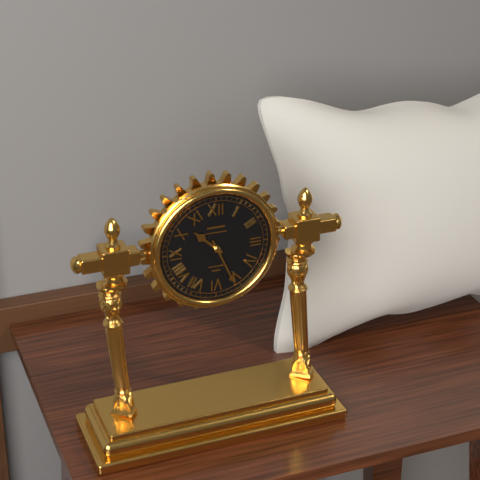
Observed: 10,26
